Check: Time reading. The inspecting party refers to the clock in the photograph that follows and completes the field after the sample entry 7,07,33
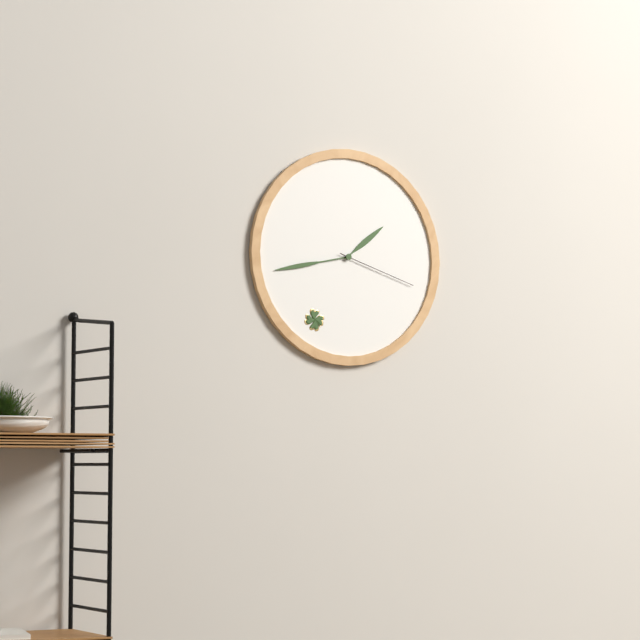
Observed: 1,43,18
